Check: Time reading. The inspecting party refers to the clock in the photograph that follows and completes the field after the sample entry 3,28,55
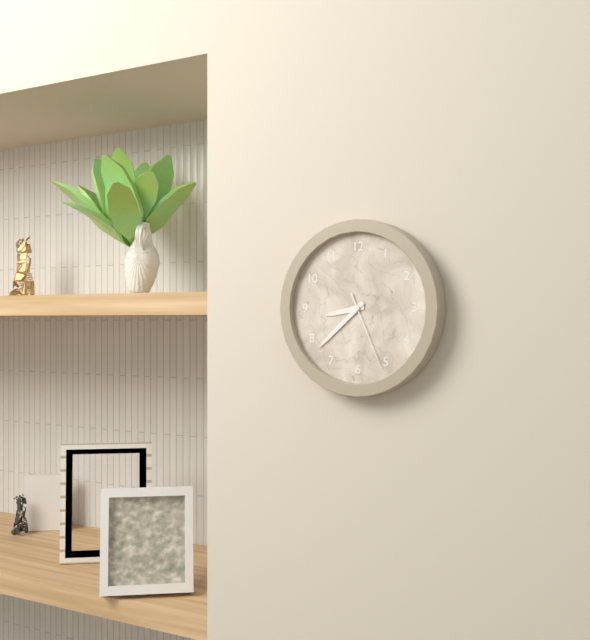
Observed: 8,38,26
